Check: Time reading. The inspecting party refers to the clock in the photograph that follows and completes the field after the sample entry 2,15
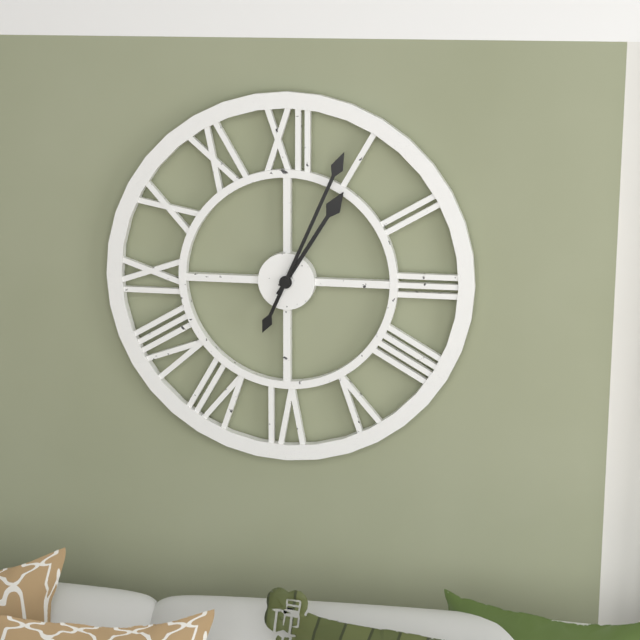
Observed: 1,04
